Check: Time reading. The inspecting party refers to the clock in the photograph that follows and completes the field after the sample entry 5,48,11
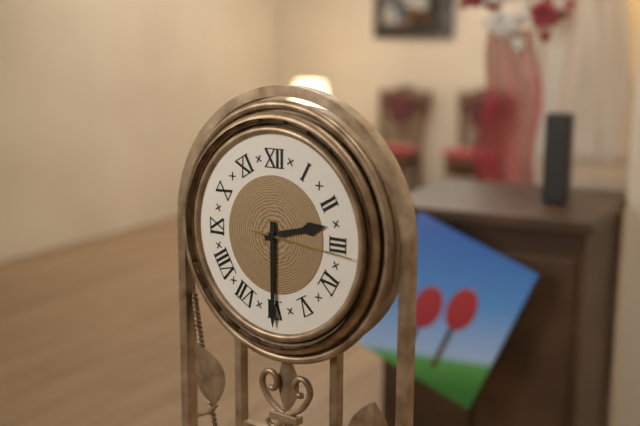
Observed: 2,30,16
